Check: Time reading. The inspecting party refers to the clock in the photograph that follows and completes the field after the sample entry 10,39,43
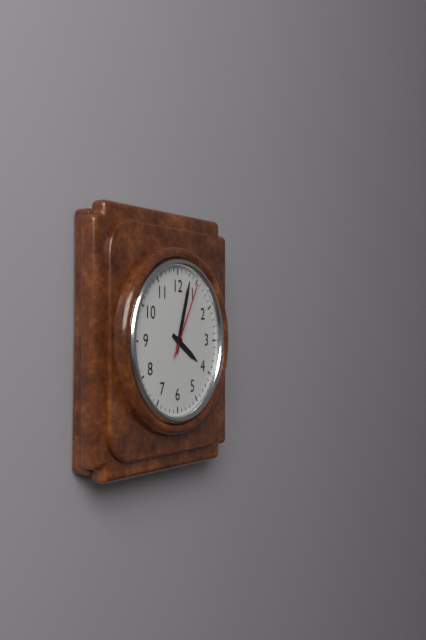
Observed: 4,03,05
